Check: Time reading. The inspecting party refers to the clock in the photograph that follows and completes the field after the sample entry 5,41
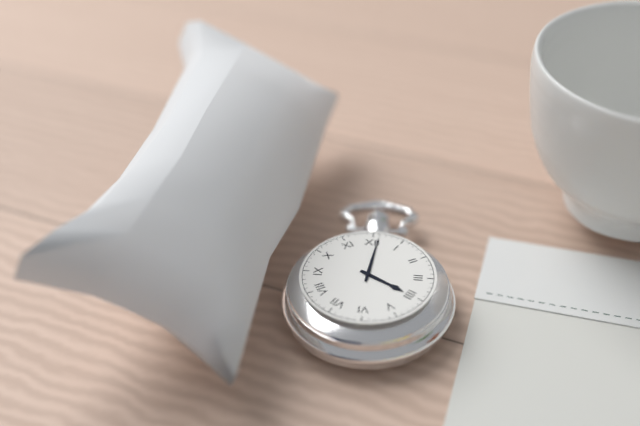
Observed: 4,01
